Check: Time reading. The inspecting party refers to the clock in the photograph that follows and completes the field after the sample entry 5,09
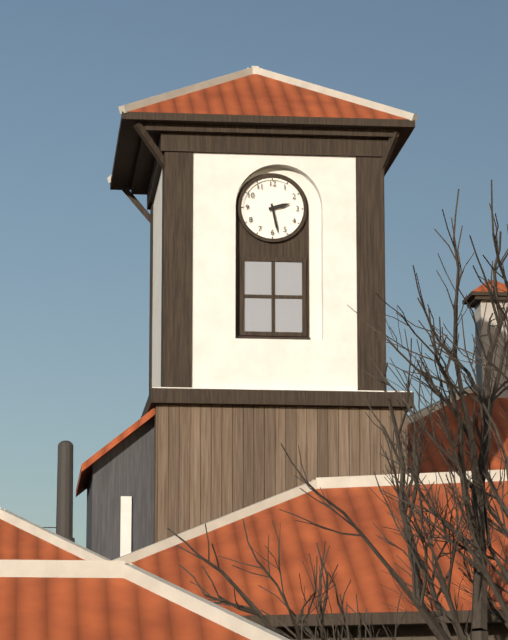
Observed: 2,28
